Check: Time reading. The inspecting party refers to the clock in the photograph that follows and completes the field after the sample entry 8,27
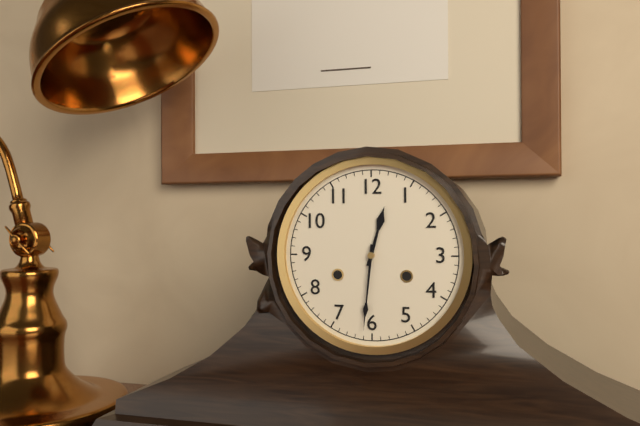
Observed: 12,31
